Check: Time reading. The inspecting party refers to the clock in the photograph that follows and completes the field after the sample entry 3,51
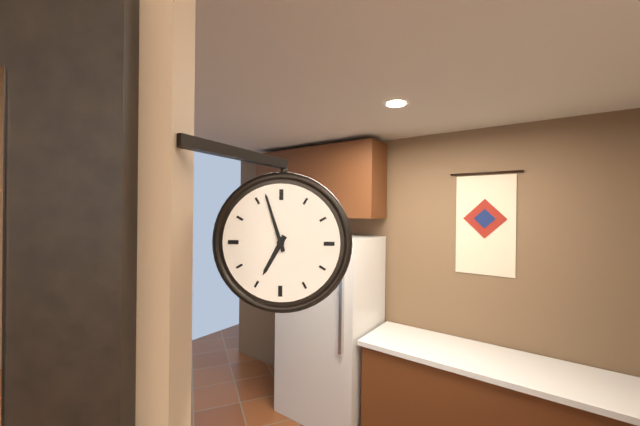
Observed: 6,57
